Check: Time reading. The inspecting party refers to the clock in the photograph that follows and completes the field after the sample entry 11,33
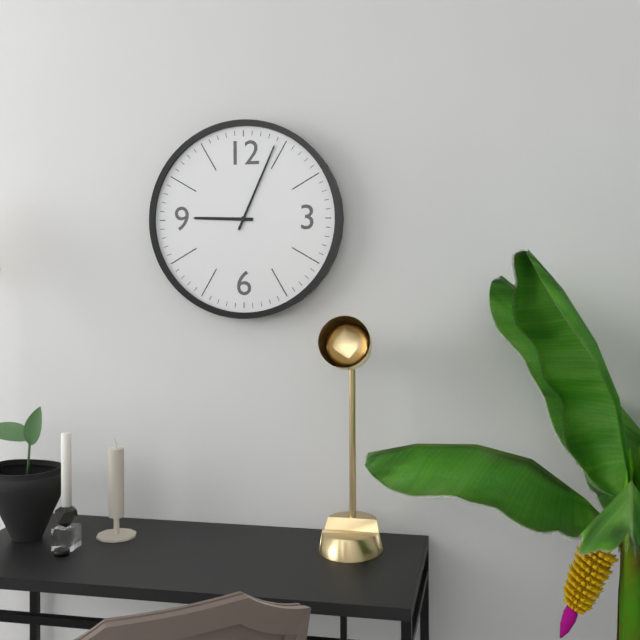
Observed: 9,04
